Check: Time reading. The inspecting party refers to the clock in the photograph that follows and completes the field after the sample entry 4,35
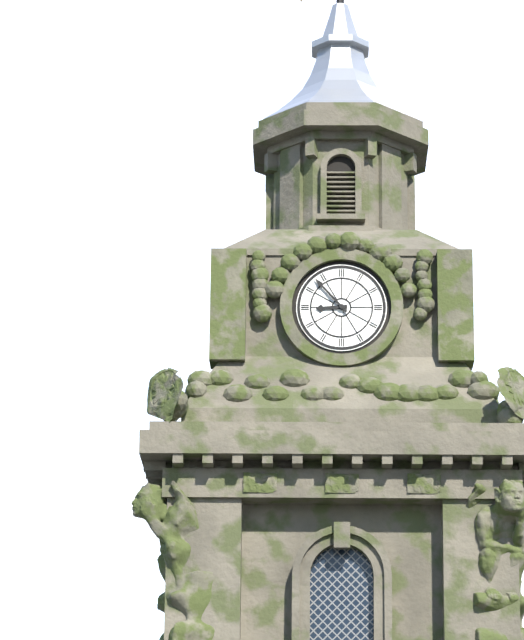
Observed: 8,53
